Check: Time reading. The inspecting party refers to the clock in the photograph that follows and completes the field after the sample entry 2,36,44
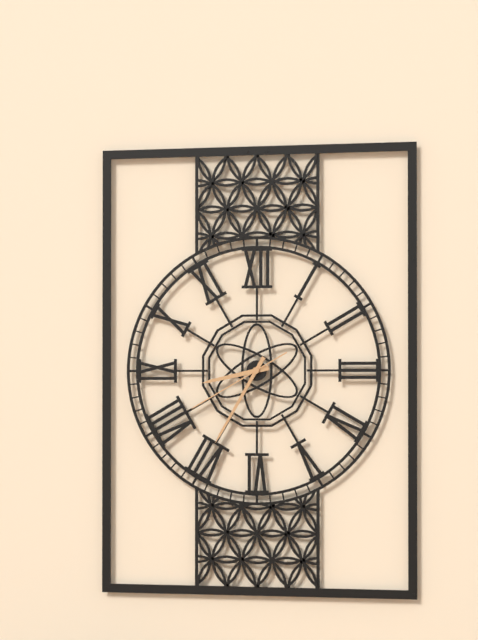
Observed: 8,35,40
